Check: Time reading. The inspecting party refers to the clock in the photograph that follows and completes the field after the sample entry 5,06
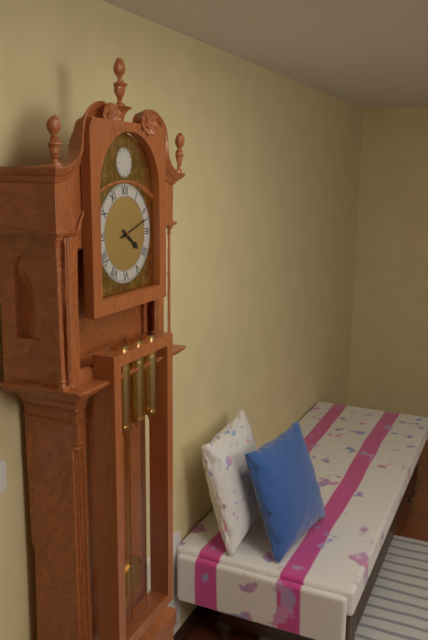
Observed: 4,12
